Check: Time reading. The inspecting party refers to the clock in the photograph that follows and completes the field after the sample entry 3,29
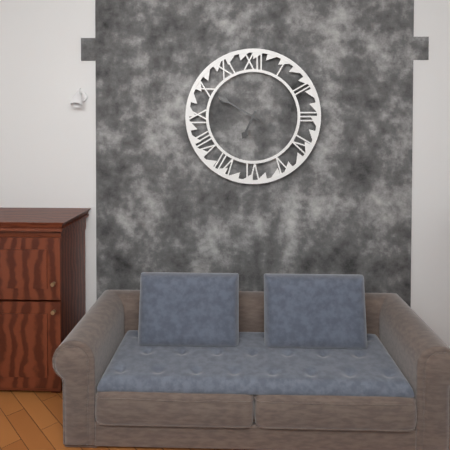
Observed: 6,50
